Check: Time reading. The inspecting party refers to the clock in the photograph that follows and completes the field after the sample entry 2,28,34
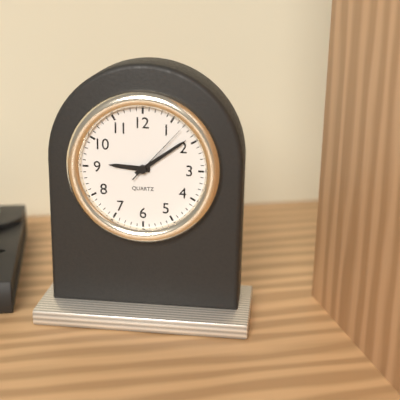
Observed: 9,09,07
